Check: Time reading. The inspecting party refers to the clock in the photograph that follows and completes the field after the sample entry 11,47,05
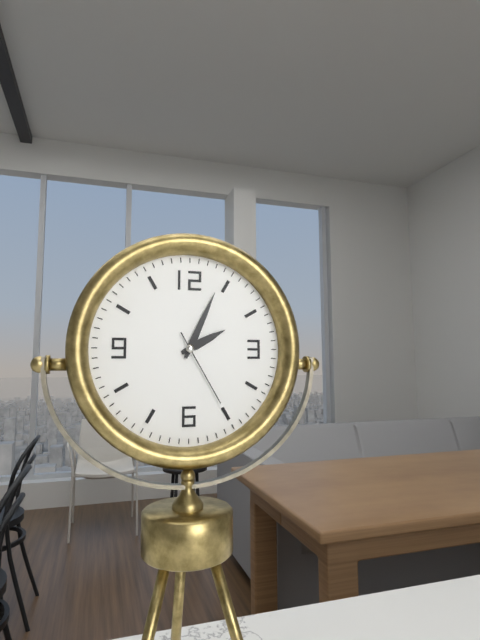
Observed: 2,04,25
